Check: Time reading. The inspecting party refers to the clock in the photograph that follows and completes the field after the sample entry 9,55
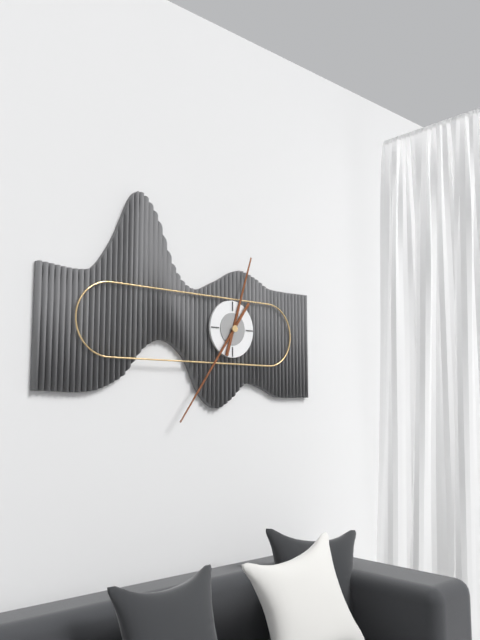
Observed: 12,36
